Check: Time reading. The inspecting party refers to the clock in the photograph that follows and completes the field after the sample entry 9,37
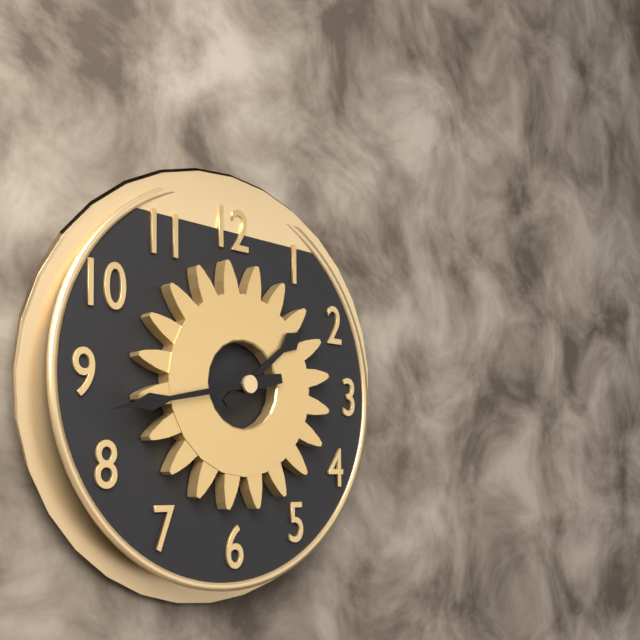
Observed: 1,43
